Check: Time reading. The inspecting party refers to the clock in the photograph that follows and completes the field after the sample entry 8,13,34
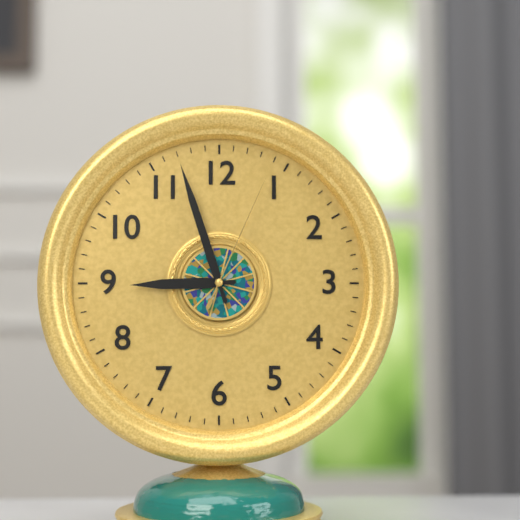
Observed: 8,57,04
